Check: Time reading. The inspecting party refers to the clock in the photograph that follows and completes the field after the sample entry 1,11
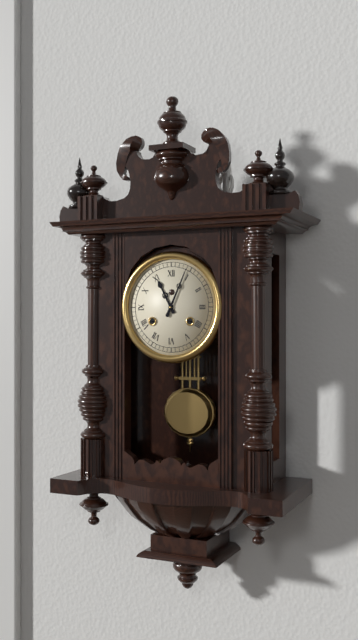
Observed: 11,04
